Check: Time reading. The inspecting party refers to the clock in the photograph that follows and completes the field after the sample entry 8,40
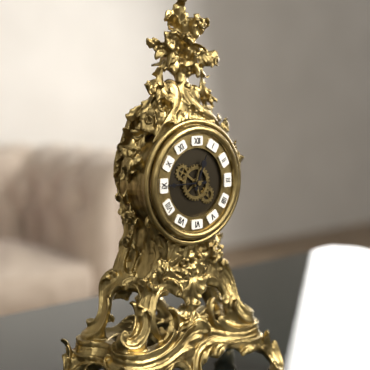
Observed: 12,45
